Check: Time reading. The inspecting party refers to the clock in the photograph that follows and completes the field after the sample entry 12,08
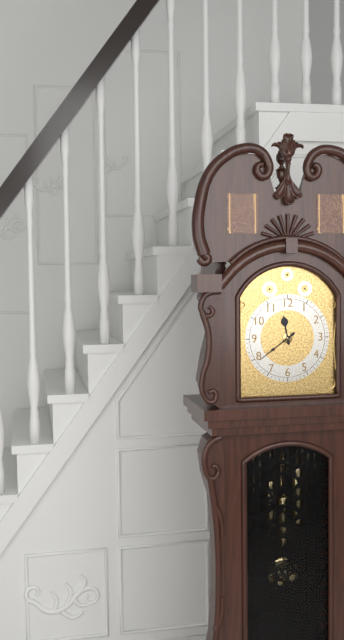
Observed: 11,39
